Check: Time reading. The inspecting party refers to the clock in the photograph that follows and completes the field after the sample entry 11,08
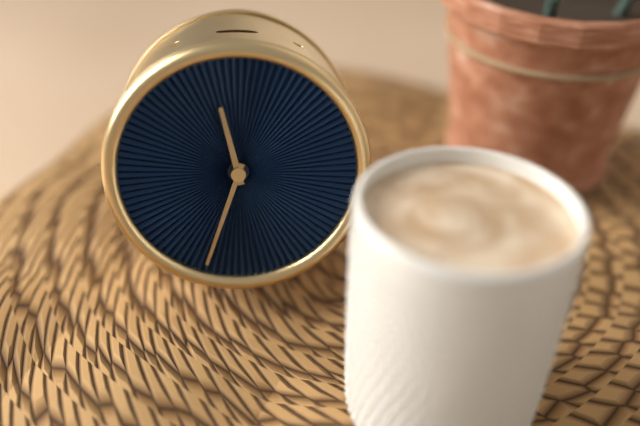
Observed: 11,33
